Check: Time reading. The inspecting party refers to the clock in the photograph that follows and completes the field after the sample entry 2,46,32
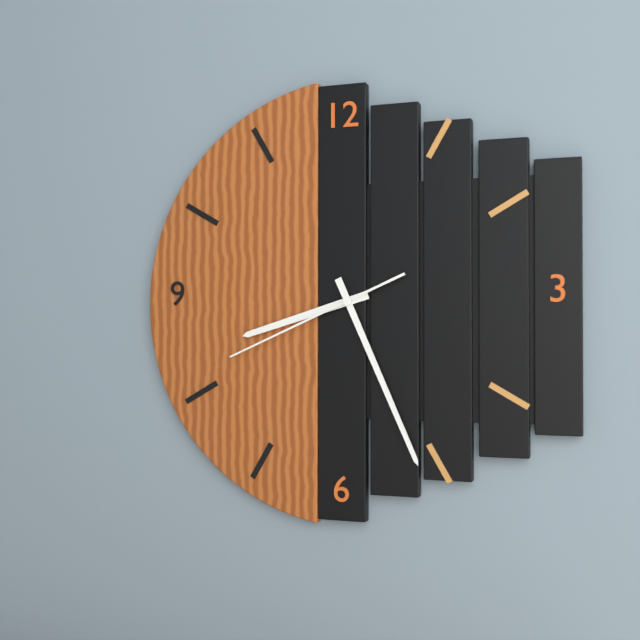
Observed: 8,26,41
